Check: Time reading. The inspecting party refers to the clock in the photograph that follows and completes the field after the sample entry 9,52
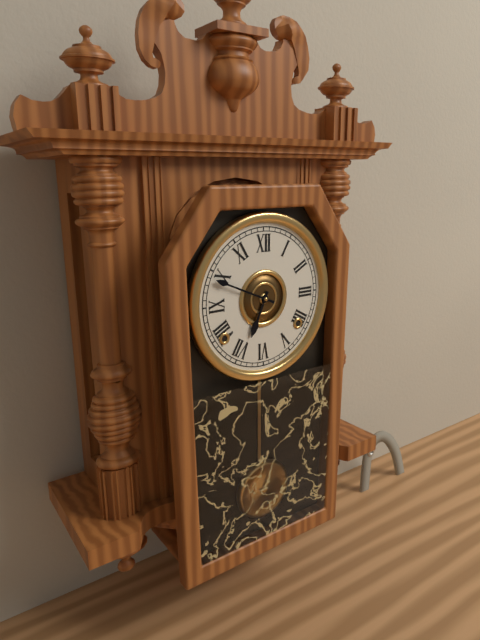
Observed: 6,49
